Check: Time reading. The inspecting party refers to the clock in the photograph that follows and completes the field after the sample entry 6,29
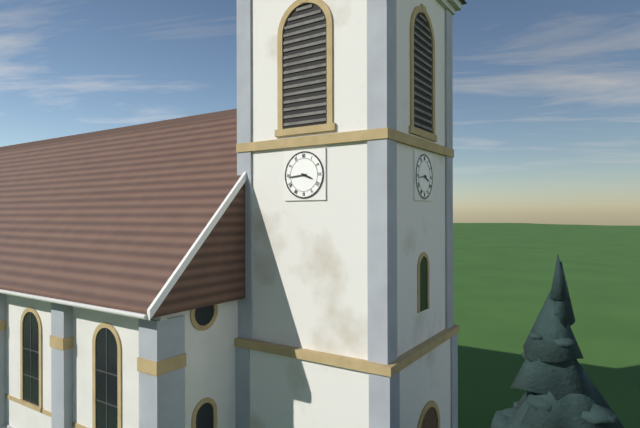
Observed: 3,44
